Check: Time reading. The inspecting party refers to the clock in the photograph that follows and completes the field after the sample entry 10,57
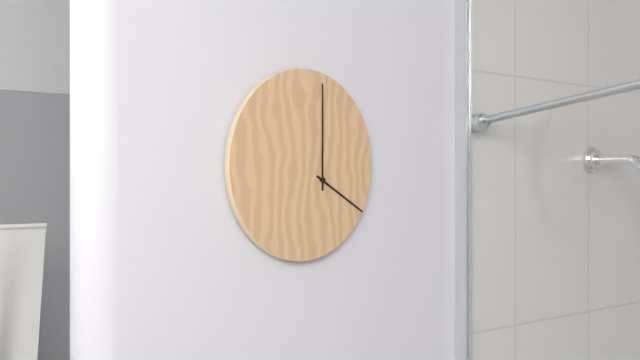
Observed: 4,00
